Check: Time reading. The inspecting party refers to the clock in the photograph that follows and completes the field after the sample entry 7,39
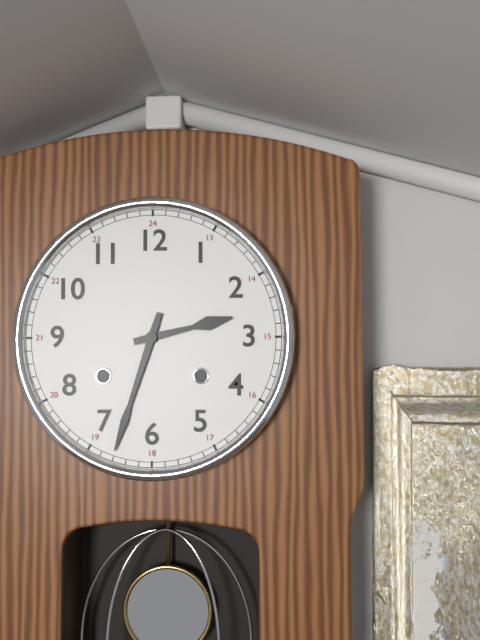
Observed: 2,33
